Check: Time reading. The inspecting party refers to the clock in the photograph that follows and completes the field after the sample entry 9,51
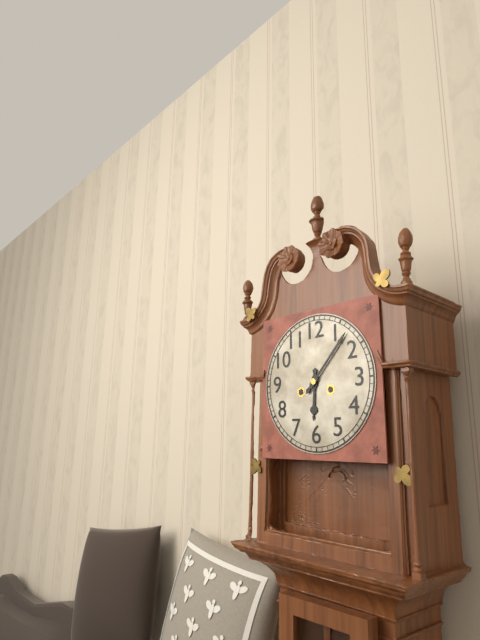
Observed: 6,07
